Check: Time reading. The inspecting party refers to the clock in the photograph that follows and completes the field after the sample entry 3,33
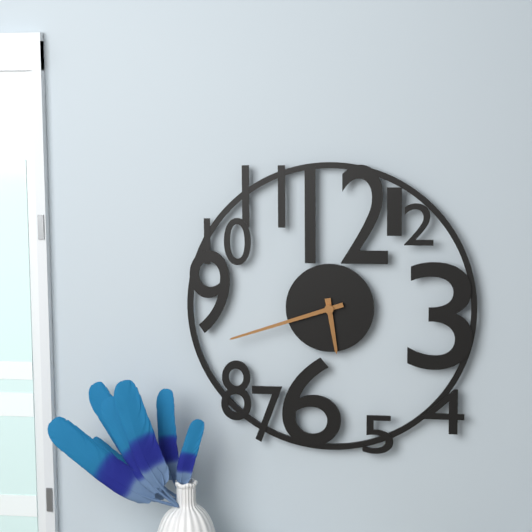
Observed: 5,42
